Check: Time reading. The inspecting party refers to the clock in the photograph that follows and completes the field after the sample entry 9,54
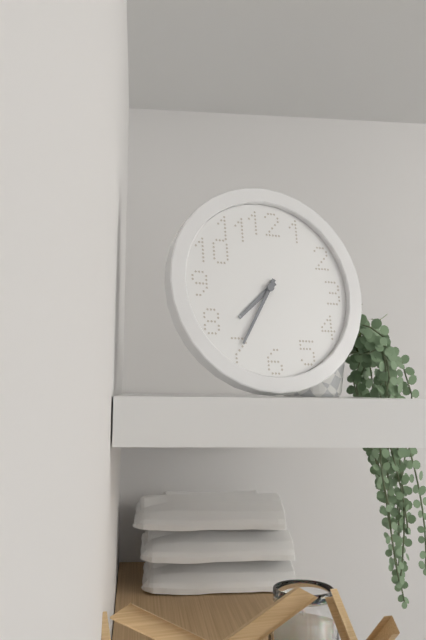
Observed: 7,35
